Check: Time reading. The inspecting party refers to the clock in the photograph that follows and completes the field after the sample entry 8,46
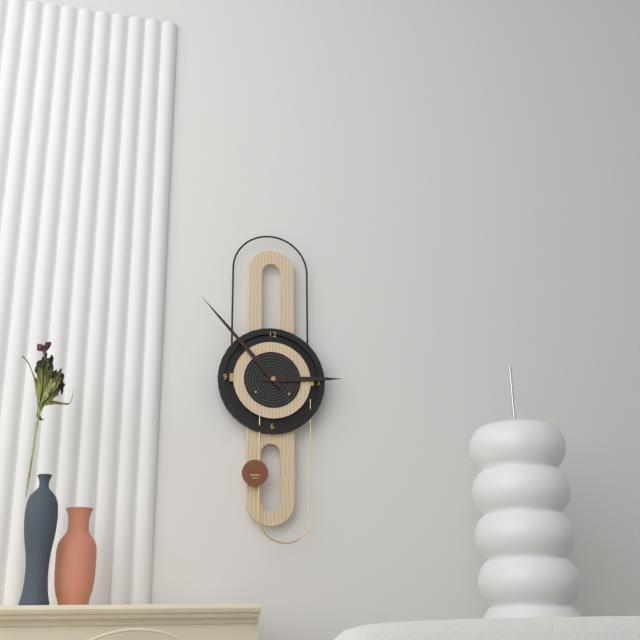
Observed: 2,53
